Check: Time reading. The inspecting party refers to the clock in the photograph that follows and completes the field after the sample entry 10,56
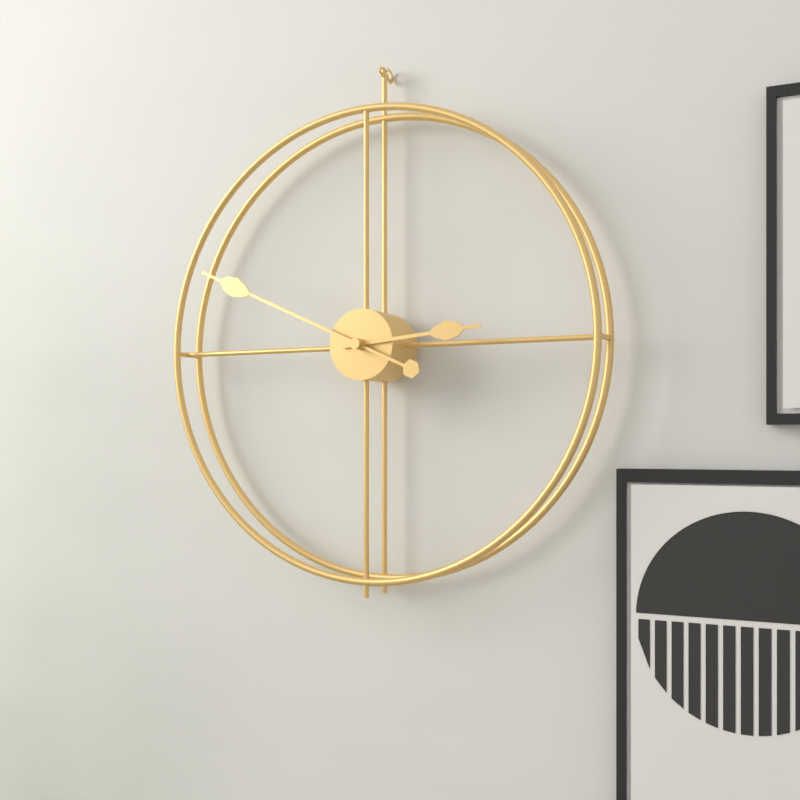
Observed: 2,49
